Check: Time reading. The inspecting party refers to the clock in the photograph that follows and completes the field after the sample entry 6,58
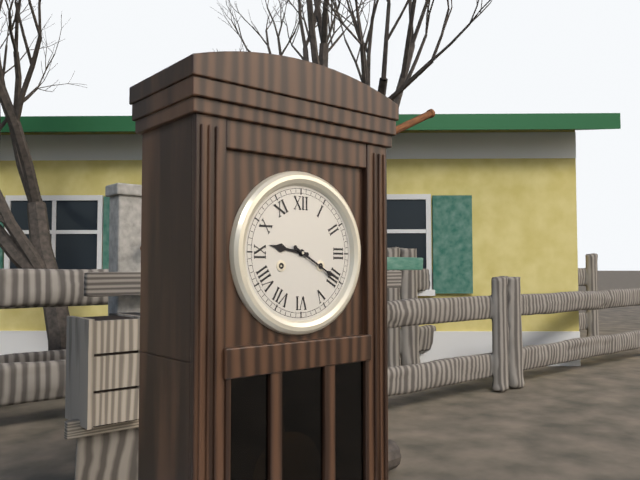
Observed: 9,20
